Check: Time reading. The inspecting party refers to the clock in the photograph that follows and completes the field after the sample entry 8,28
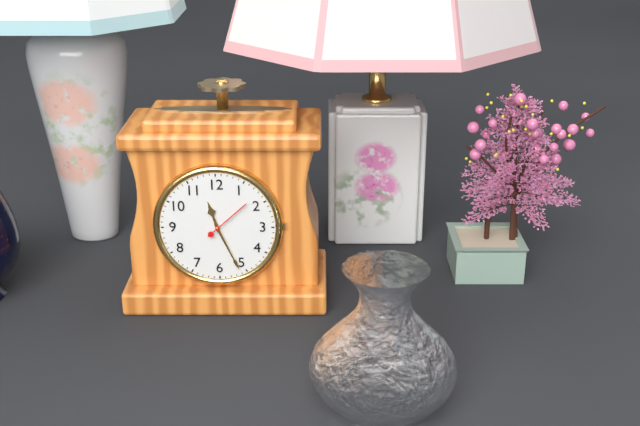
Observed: 11,26
